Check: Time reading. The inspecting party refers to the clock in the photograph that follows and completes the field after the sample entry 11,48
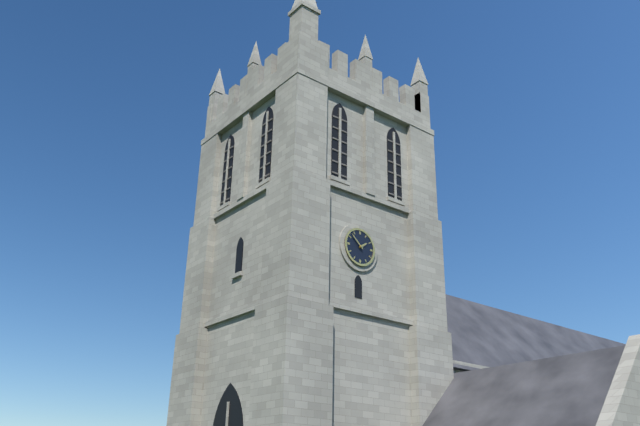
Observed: 1,52
